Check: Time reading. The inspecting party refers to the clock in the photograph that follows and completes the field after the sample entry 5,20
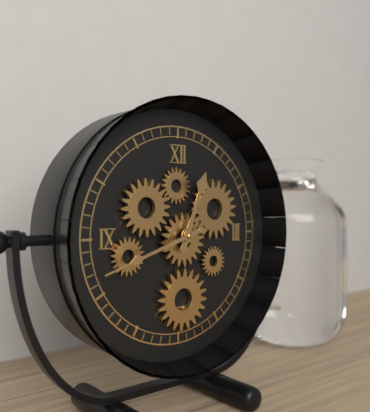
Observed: 12,42
